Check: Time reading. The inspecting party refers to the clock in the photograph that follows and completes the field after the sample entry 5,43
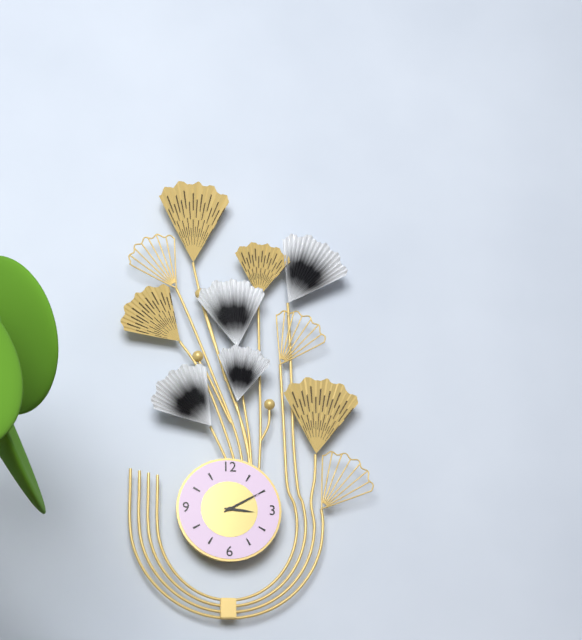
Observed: 3,10
